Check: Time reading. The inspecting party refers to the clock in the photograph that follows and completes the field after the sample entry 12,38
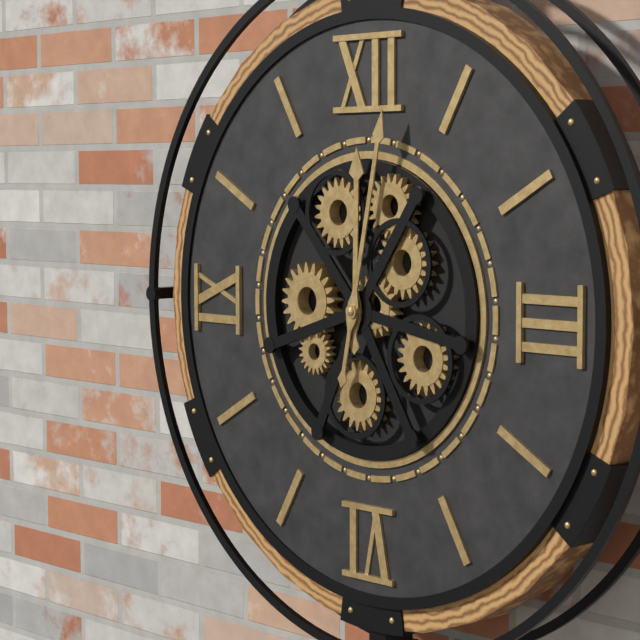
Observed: 12,02
